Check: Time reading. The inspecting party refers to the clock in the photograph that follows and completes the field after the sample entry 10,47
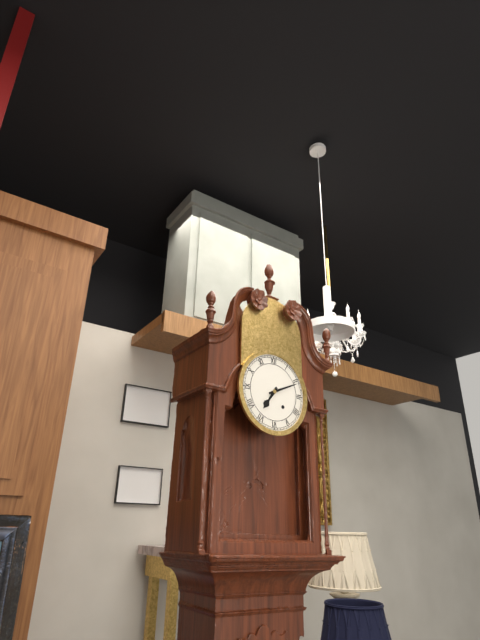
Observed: 7,11
